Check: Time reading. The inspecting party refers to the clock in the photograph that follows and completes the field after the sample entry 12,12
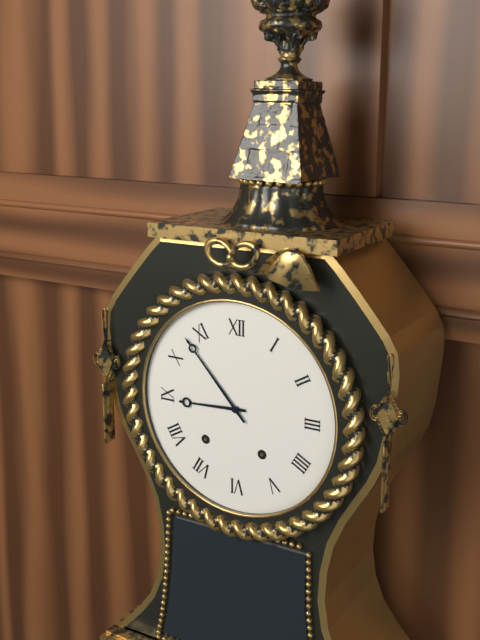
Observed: 8,53
